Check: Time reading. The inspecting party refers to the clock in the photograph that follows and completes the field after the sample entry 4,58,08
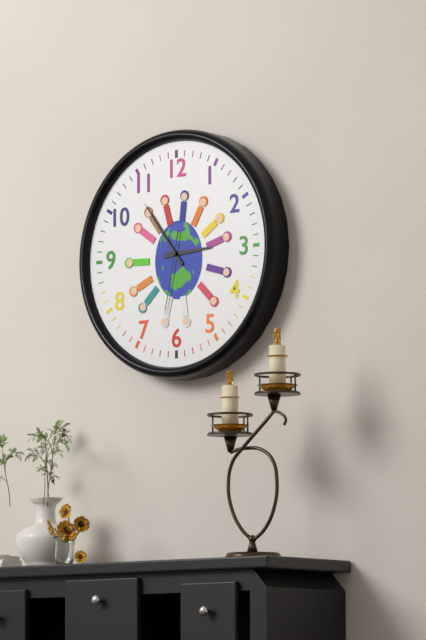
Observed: 2,54,32
